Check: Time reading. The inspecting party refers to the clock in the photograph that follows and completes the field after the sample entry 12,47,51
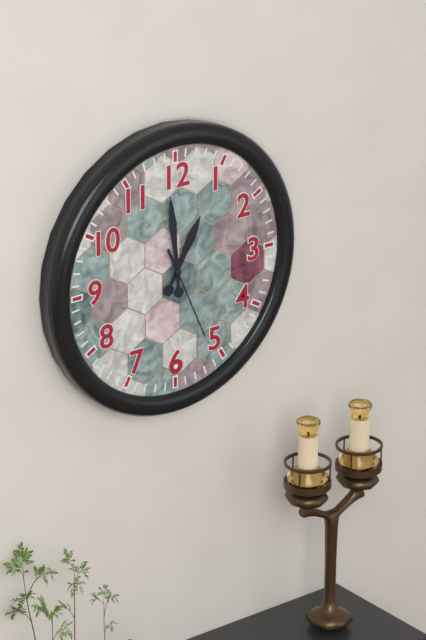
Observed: 12,59,26
